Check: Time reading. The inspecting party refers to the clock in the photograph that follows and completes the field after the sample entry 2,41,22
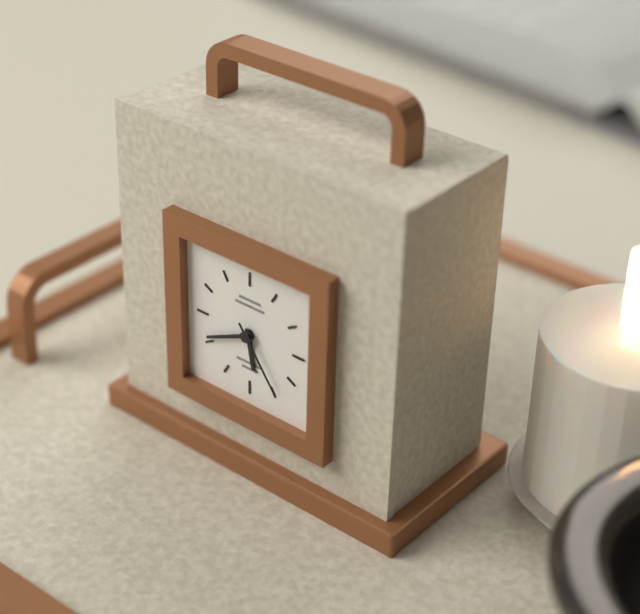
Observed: 5,41,24
